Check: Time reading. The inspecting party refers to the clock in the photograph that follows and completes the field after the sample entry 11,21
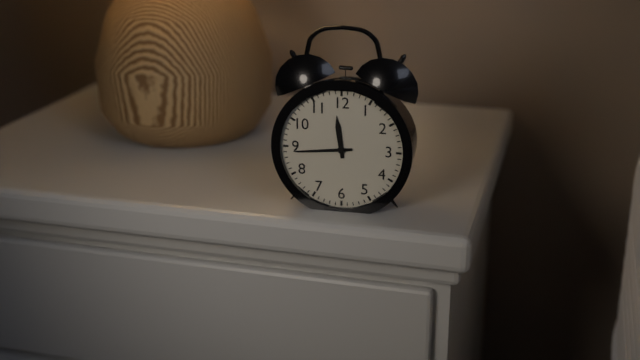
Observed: 11,44
